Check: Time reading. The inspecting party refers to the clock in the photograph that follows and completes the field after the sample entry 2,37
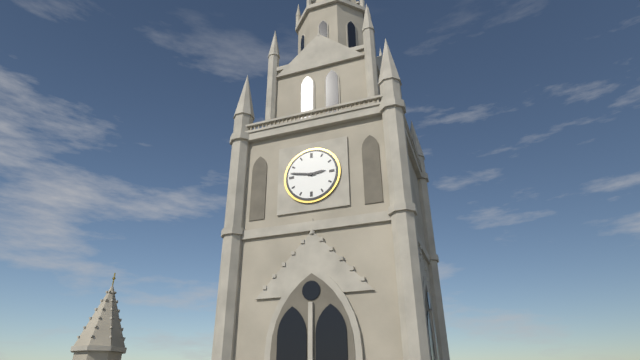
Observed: 2,47
